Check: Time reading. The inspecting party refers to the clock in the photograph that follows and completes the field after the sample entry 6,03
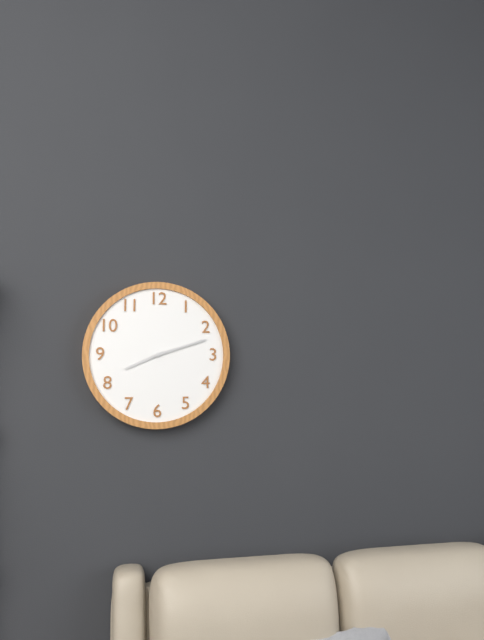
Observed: 8,12
